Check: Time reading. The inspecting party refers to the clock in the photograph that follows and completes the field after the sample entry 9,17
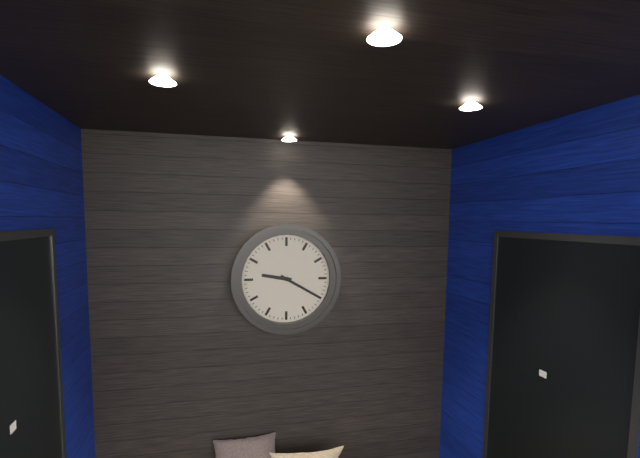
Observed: 9,20
